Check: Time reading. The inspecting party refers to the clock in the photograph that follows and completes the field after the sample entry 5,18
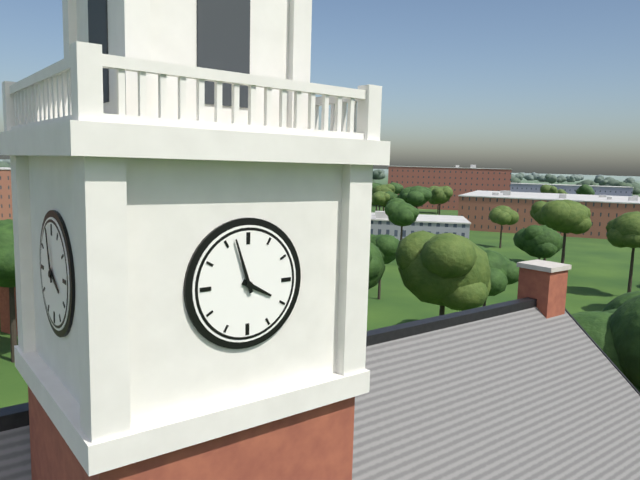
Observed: 3,57
